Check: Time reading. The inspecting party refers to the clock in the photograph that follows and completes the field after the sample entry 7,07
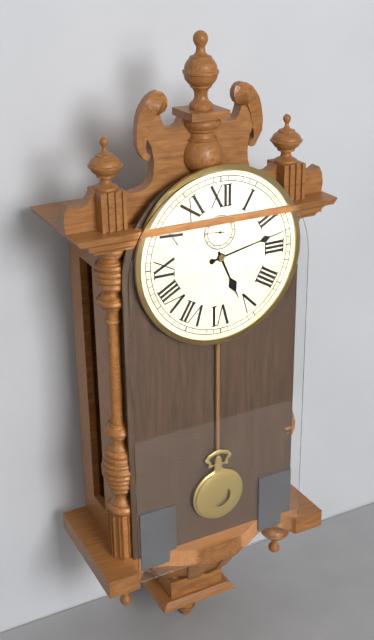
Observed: 5,13
